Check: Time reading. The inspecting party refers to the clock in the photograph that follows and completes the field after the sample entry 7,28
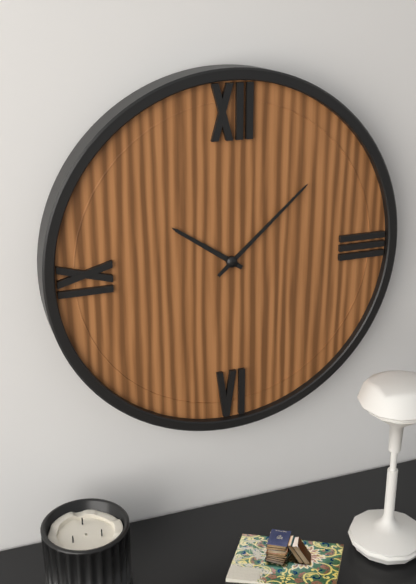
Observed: 10,08
